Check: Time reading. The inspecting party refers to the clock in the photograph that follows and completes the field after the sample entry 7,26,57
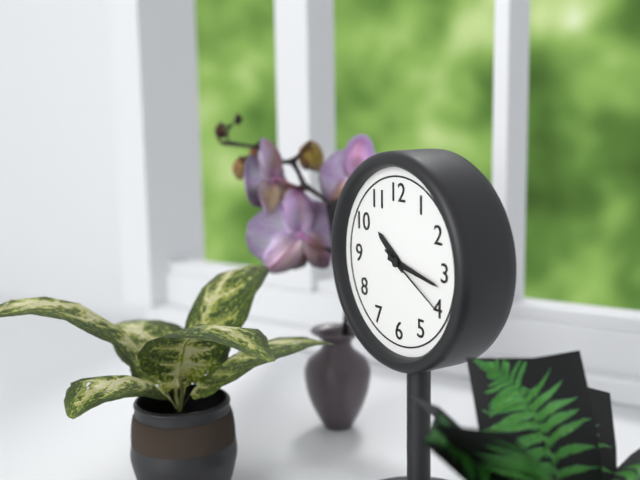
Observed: 10,17,20
